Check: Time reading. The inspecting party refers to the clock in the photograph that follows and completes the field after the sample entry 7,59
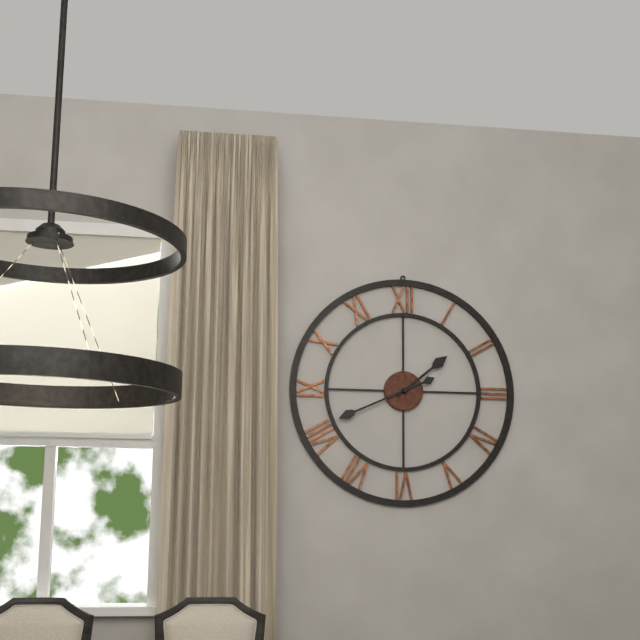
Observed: 1,41
